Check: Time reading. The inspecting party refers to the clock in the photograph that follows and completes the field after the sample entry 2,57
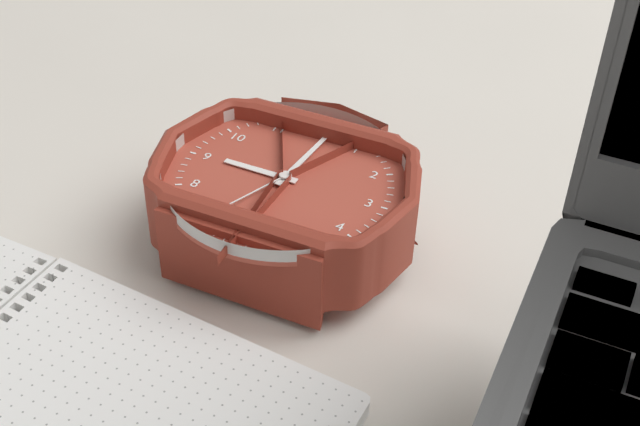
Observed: 9,01
